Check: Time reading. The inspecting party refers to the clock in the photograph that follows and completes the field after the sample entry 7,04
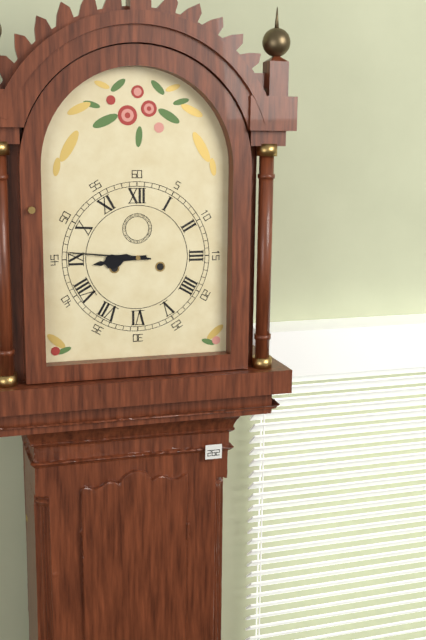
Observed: 8,46
